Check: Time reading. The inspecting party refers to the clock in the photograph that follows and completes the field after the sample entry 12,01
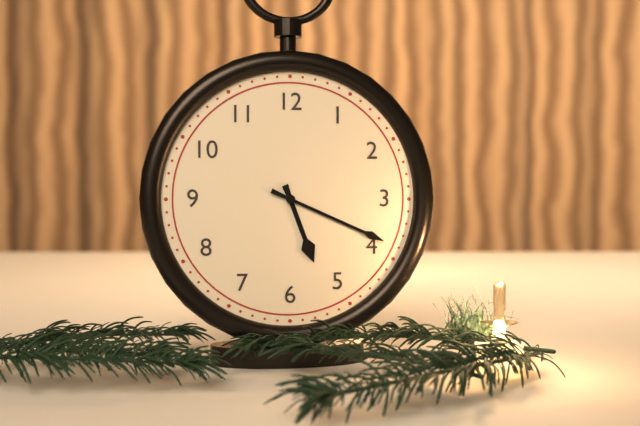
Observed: 5,19
